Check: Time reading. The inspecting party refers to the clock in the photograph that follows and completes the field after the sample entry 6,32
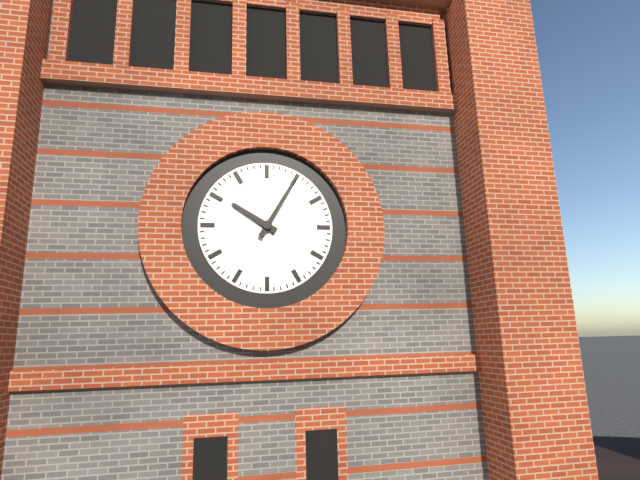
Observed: 10,05
